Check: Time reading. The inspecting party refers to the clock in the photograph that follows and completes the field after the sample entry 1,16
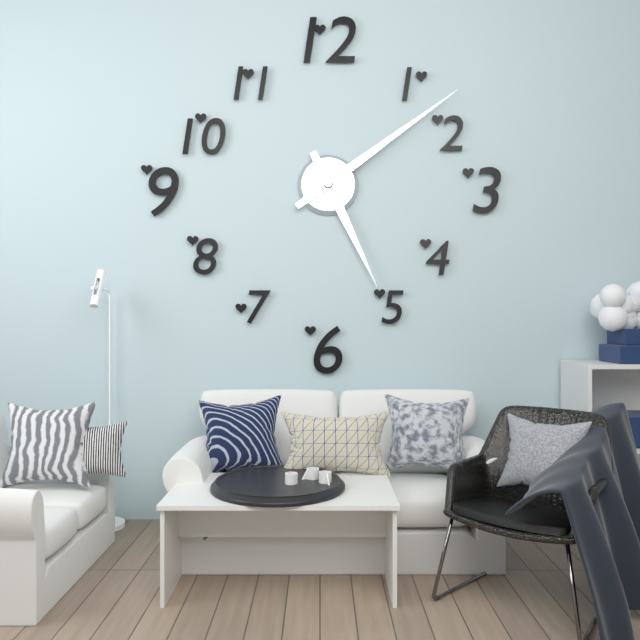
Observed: 5,09
